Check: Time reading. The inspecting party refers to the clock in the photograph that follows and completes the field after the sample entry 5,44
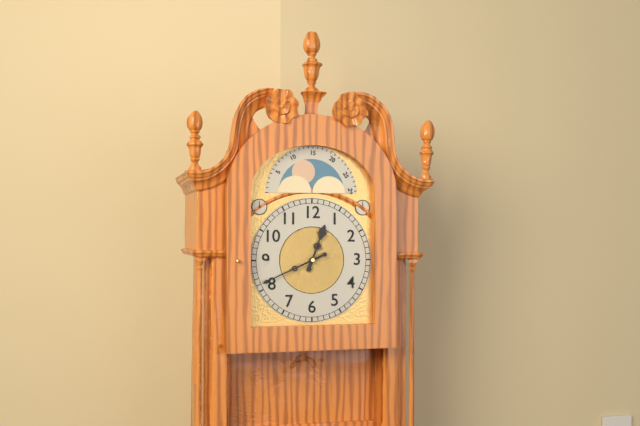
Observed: 12,41
